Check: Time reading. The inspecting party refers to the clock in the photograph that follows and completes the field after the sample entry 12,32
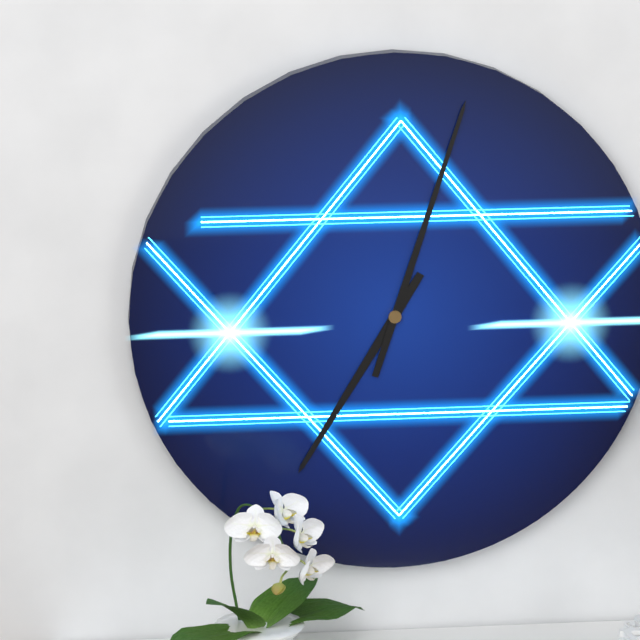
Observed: 7,03
